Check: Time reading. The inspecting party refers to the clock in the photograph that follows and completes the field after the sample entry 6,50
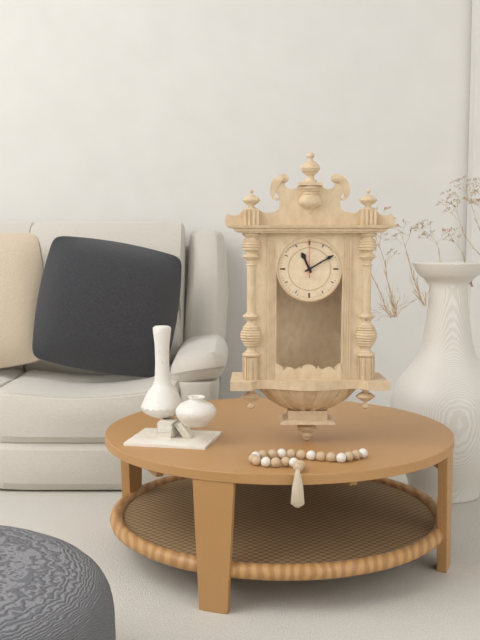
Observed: 11,10
